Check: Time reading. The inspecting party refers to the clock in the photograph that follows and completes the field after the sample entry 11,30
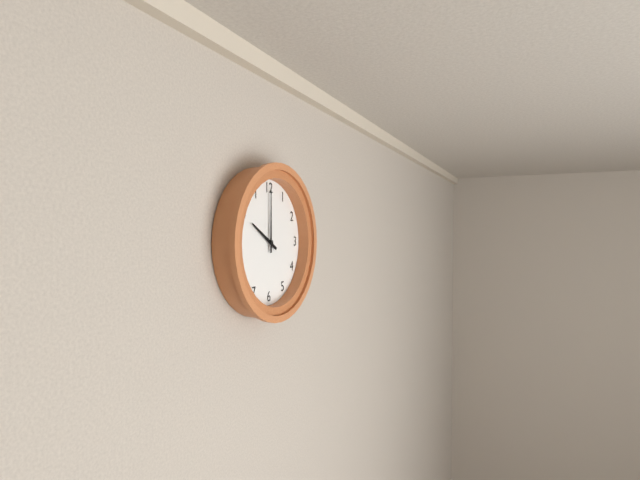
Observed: 10,00
